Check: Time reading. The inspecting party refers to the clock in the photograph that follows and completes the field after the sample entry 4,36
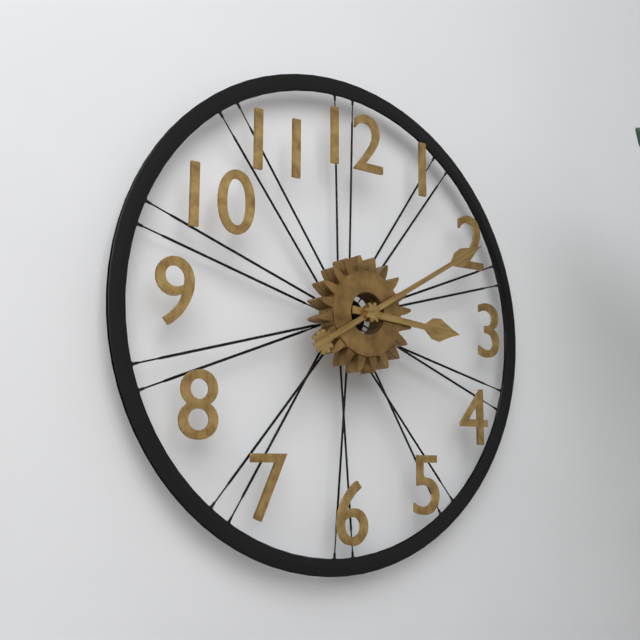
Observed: 3,10
